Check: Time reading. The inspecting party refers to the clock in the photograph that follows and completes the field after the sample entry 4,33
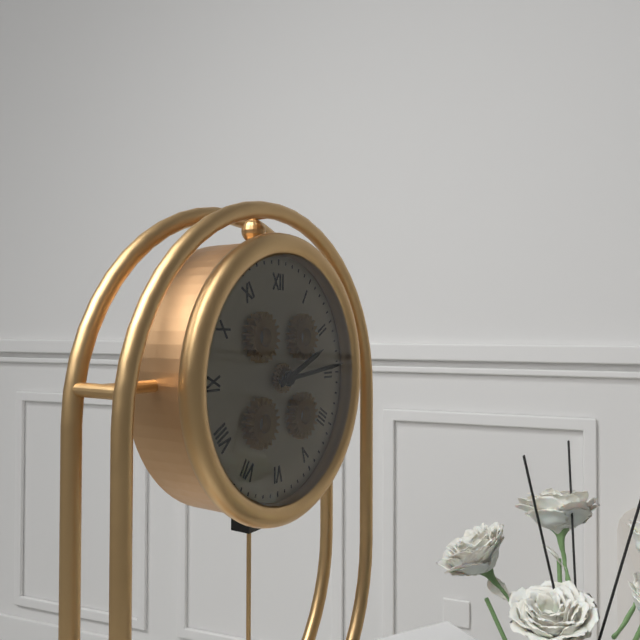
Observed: 2,14
